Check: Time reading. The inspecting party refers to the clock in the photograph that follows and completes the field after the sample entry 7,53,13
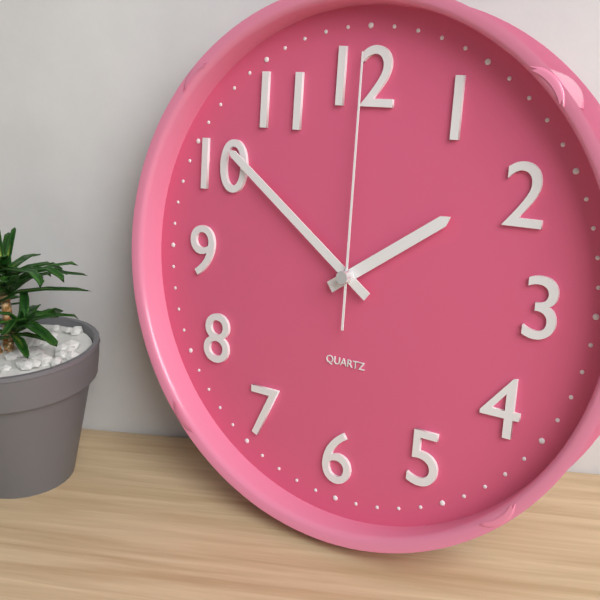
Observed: 1,51,00
